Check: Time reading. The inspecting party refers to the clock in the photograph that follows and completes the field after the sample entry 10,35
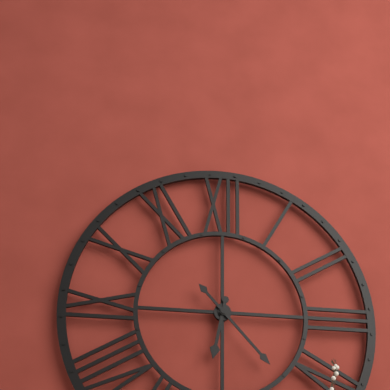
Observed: 6,23
